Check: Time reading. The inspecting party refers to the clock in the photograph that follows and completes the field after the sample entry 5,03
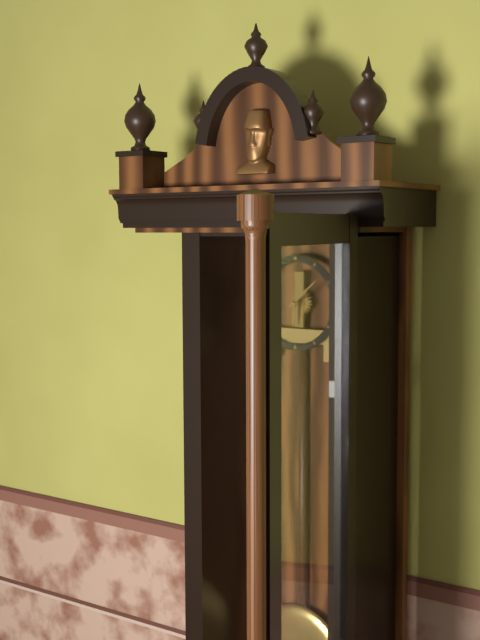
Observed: 6,08
